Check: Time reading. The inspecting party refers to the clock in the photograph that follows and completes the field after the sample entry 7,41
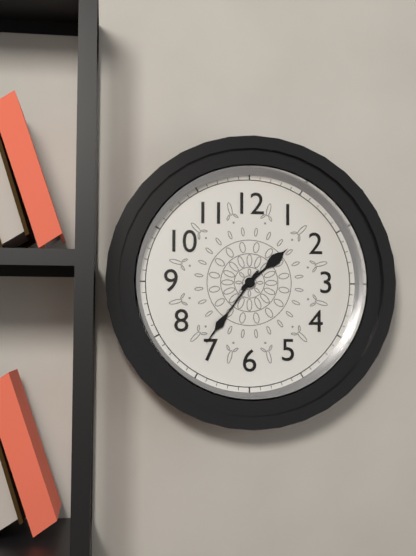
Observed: 1,36
